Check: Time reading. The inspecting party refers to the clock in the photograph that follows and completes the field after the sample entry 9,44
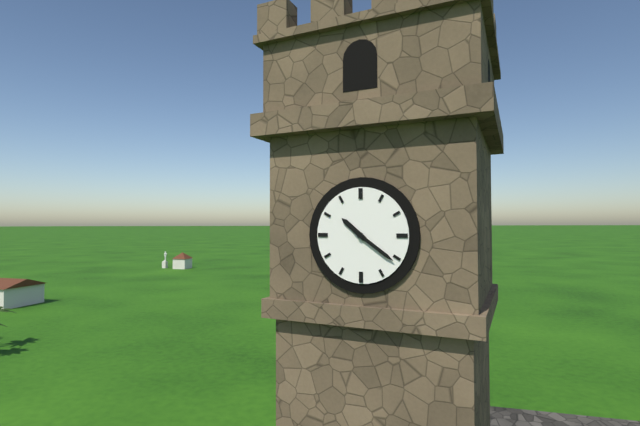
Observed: 10,21
